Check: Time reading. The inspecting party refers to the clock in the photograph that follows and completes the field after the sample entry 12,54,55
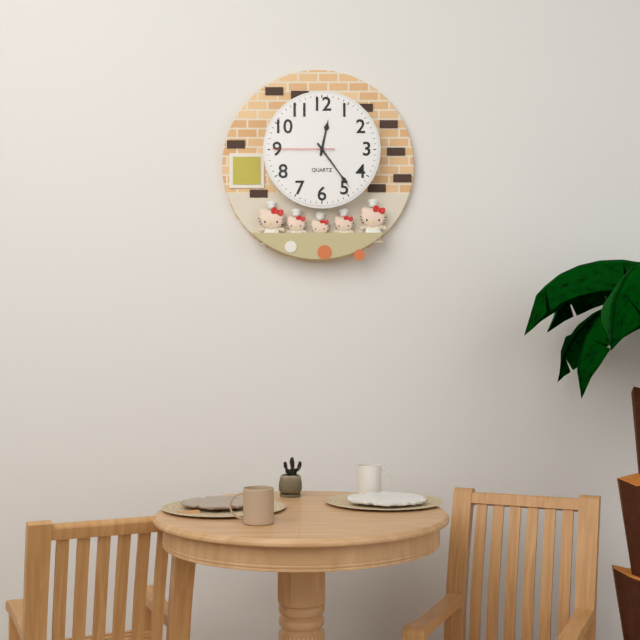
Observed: 12,24,45
